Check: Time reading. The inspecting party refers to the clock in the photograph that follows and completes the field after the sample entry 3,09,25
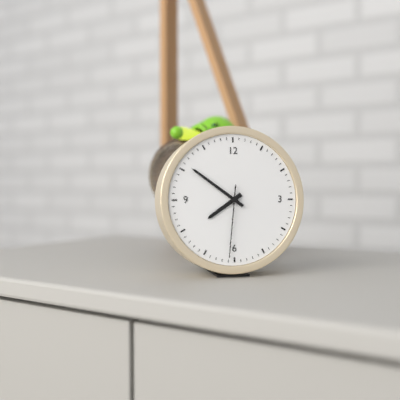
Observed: 7,51,31
